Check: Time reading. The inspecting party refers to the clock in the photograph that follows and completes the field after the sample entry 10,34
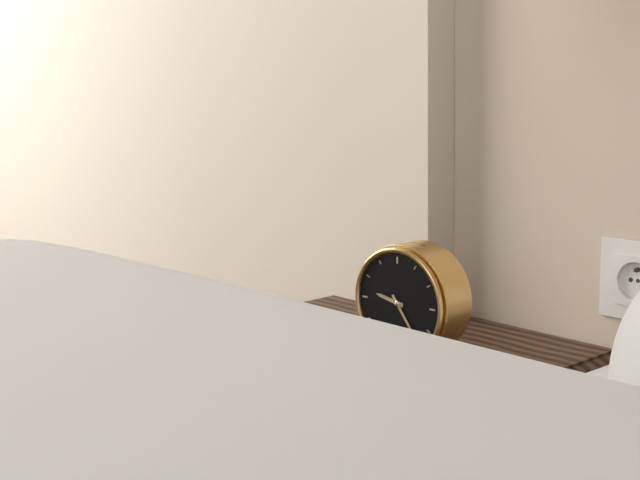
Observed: 9,24
